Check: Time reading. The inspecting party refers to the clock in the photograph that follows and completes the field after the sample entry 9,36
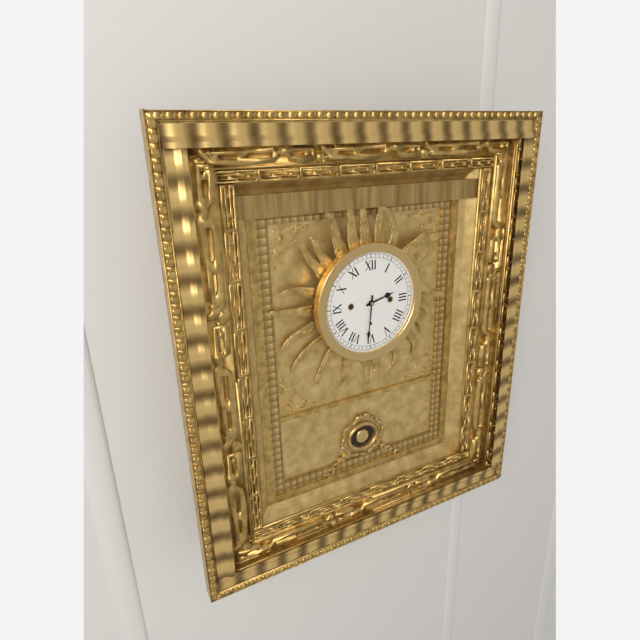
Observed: 2,31
